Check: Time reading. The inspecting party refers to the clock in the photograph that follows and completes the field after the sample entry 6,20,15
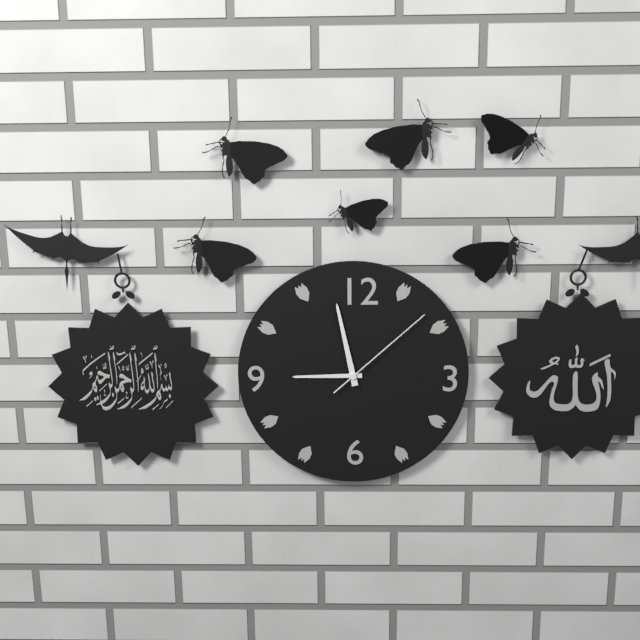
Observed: 8,58,08
